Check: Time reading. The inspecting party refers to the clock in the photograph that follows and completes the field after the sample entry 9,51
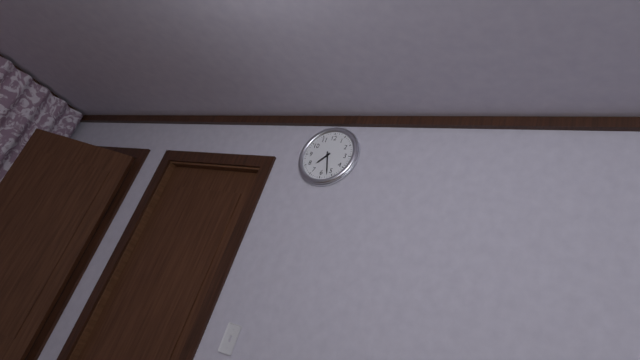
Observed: 7,27
